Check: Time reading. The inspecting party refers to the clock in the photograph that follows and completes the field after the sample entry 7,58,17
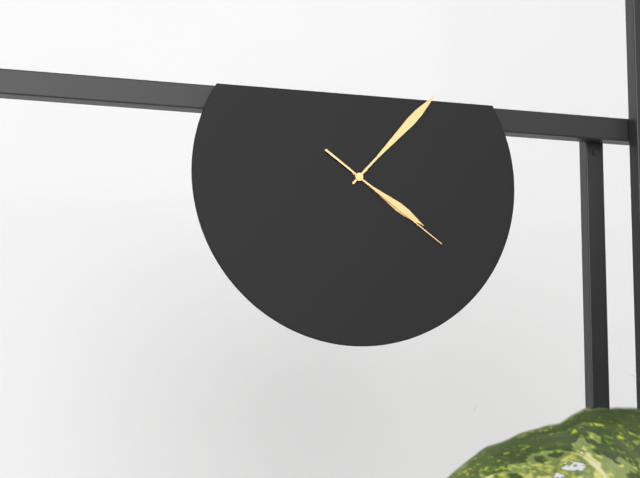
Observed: 4,07,21
